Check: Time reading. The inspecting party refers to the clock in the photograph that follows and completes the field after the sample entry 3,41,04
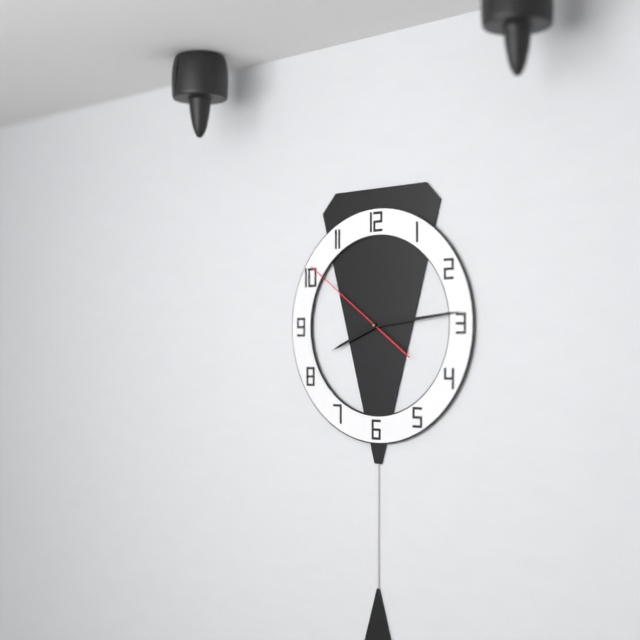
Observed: 8,14,51
